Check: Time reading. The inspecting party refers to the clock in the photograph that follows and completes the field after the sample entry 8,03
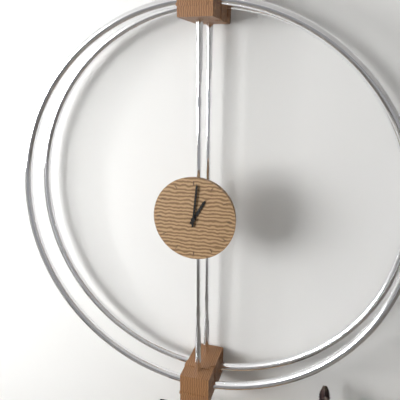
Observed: 1,01
